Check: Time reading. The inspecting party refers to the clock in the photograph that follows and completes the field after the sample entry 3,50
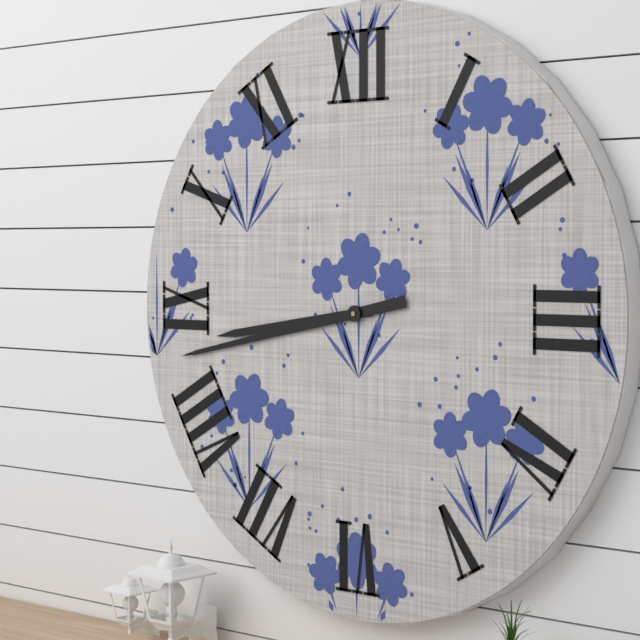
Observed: 8,43
